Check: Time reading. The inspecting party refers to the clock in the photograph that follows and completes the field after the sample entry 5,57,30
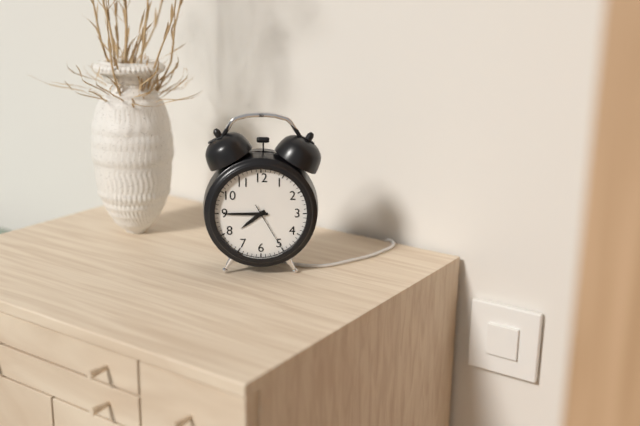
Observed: 7,45,25
